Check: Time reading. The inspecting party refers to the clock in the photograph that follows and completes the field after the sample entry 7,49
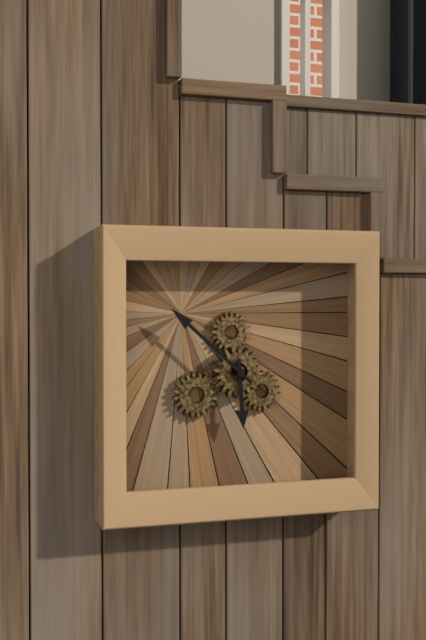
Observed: 5,52
